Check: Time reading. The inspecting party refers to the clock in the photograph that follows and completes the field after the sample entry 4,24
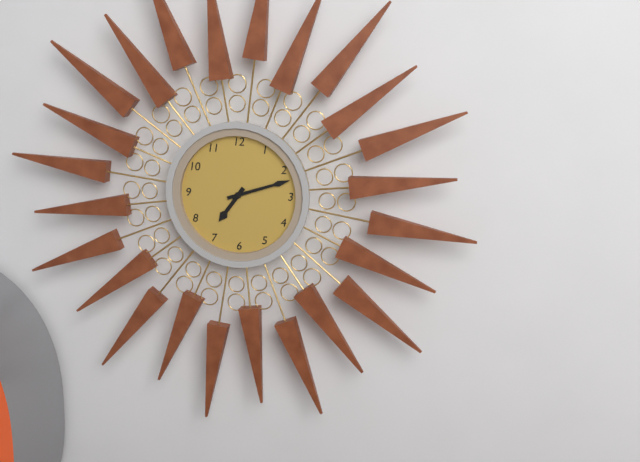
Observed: 7,12
